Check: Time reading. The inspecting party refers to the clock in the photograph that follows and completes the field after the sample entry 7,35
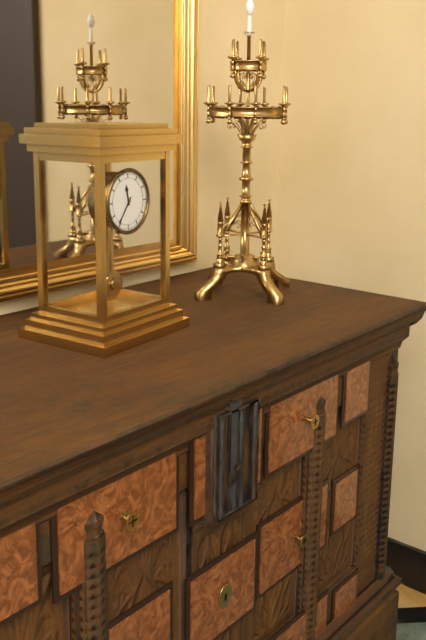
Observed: 11,36
